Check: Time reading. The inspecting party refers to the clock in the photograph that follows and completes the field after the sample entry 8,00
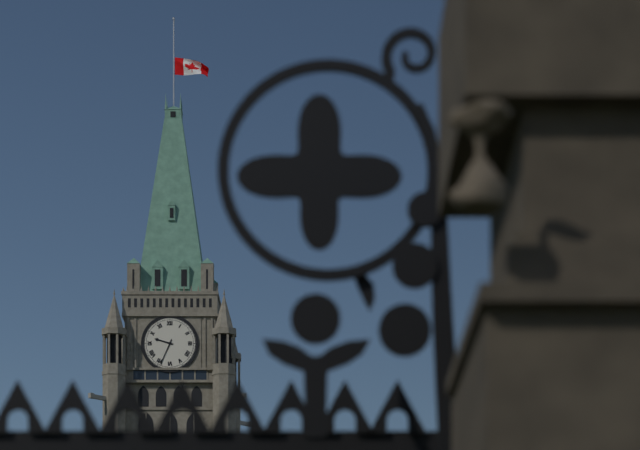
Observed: 9,34
